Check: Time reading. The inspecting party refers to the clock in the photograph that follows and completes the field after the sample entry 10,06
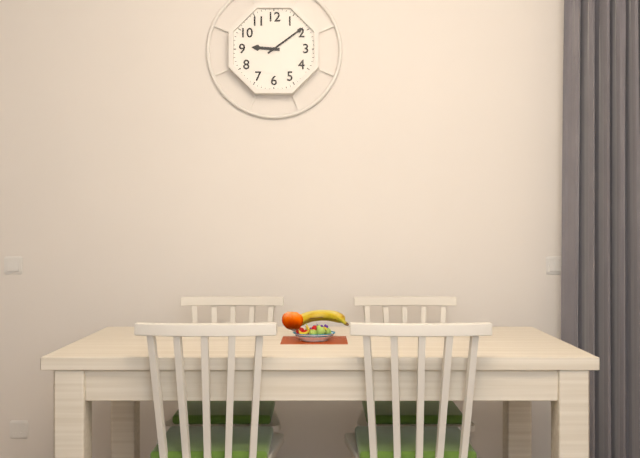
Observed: 9,09
